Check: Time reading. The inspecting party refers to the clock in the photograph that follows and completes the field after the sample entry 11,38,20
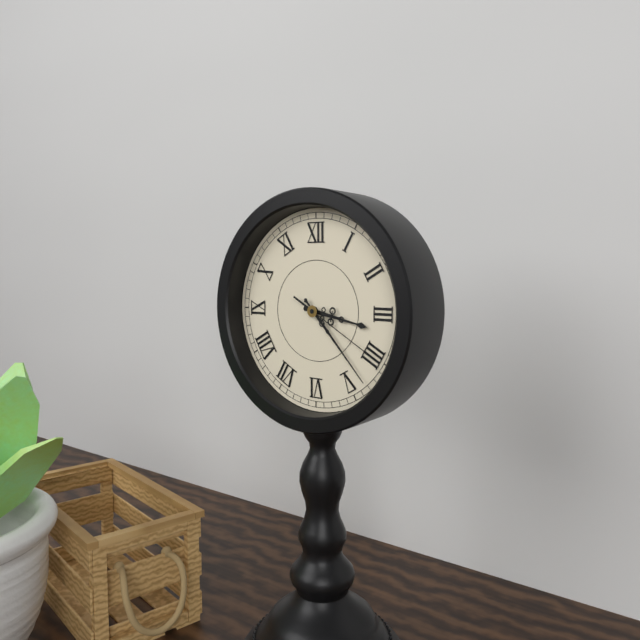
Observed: 3,23,20
